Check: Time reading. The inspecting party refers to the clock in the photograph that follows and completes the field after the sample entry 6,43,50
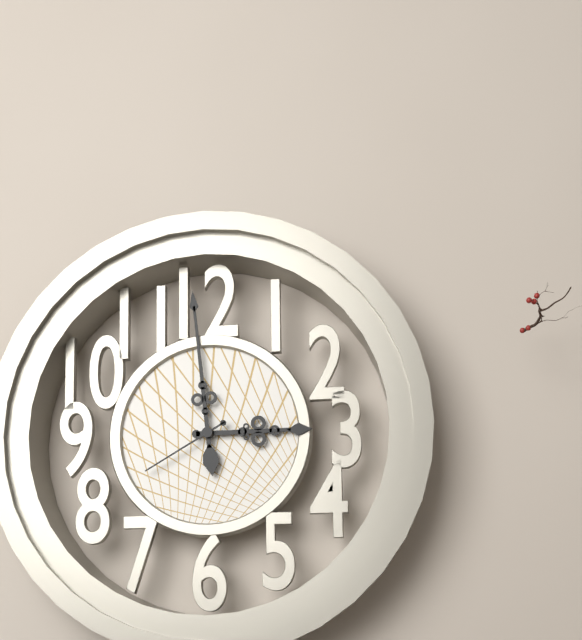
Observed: 2,59,40
